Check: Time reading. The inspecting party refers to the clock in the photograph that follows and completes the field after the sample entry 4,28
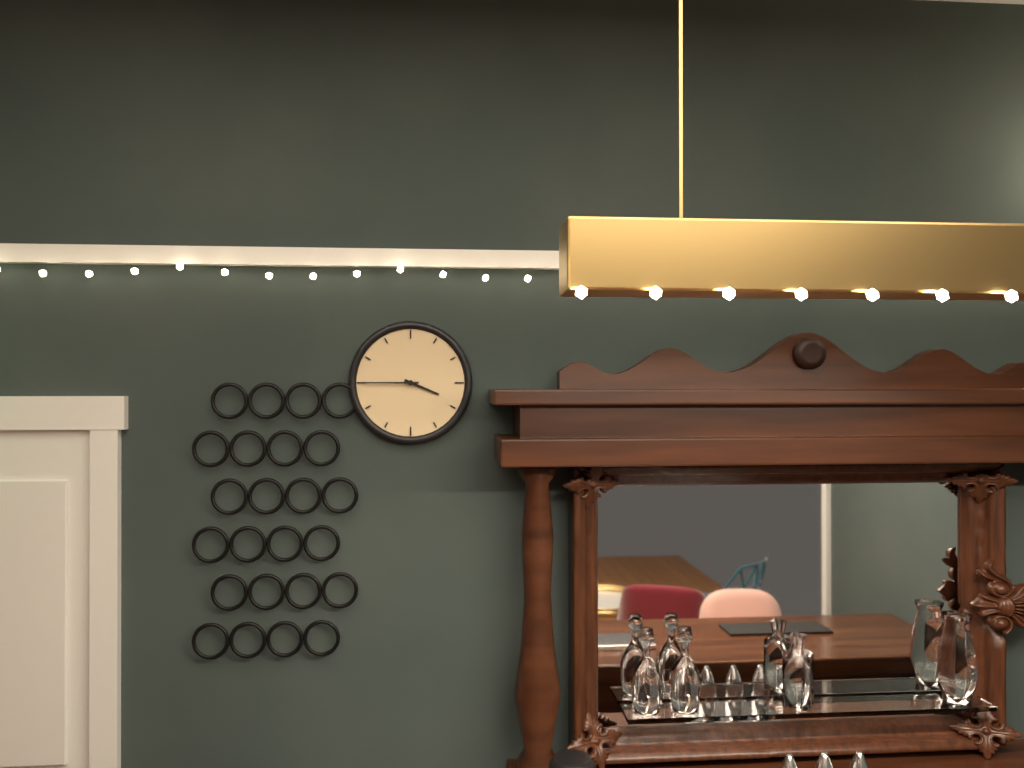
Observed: 3,45
